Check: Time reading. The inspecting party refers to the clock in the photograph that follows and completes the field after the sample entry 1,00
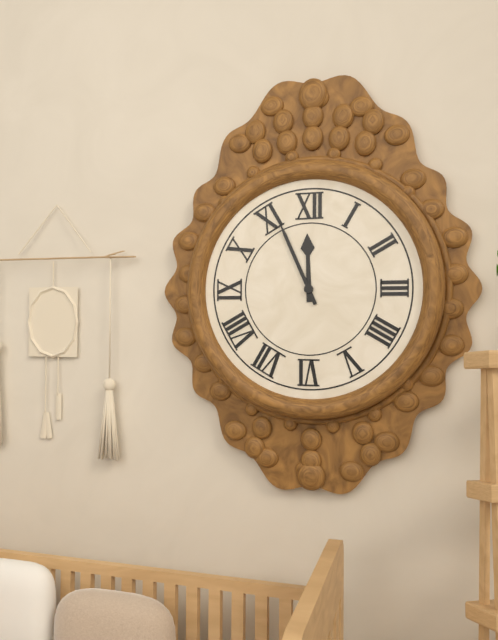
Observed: 11,56
